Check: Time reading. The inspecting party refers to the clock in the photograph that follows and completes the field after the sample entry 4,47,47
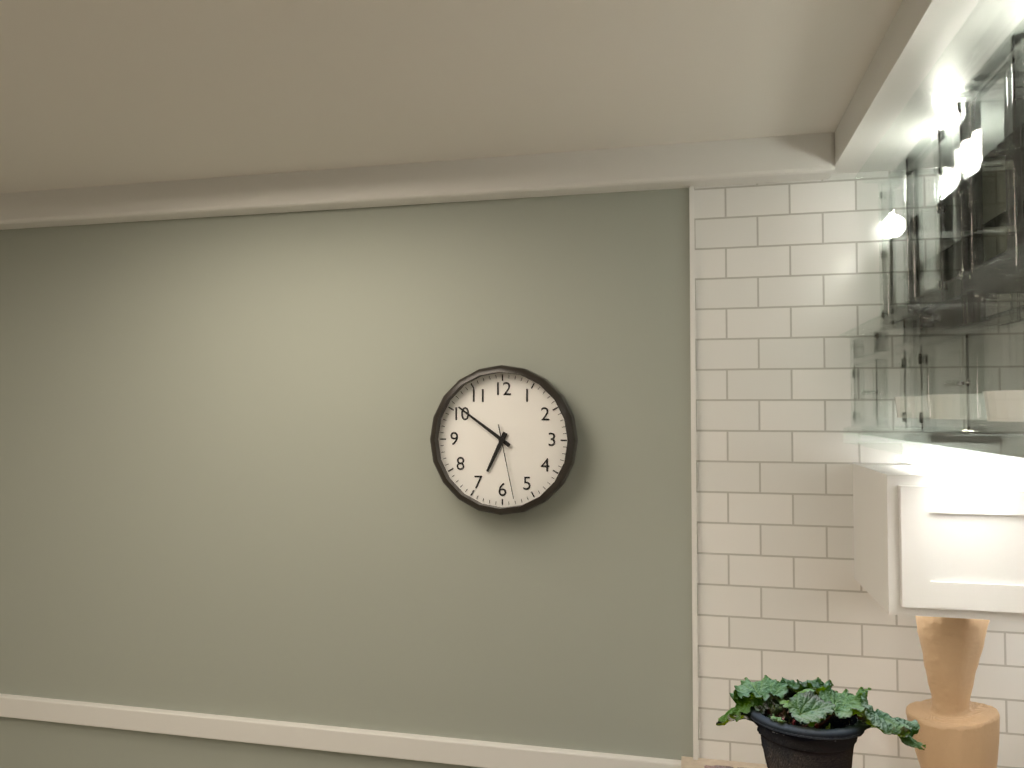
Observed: 6,51,28
